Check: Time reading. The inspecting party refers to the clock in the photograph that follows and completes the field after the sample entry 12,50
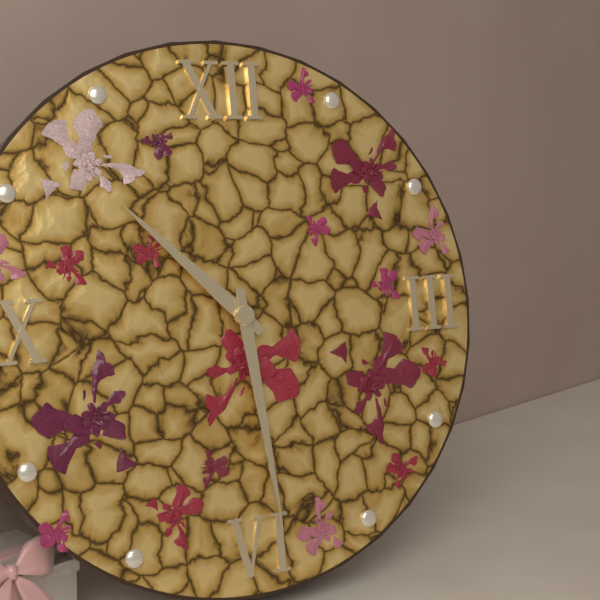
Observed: 10,29
